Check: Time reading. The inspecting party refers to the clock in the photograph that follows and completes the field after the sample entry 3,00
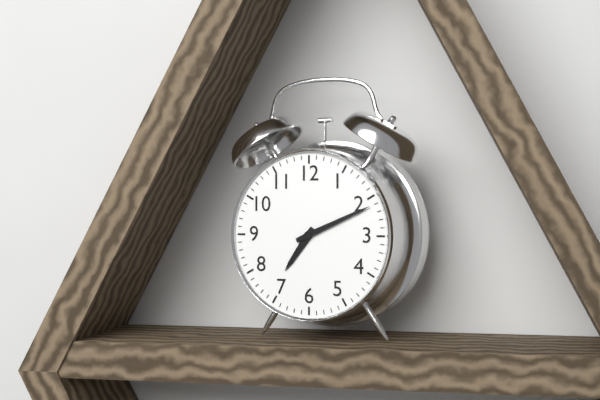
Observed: 7,11
